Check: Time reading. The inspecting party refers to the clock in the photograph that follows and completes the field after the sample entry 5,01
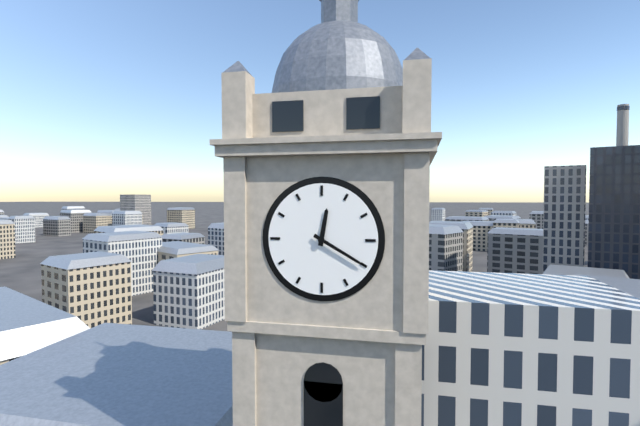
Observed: 12,20
